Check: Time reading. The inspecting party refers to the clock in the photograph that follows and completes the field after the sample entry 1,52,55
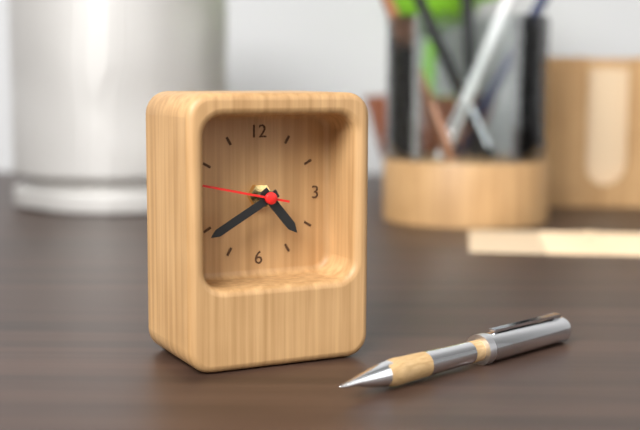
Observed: 4,40,47
